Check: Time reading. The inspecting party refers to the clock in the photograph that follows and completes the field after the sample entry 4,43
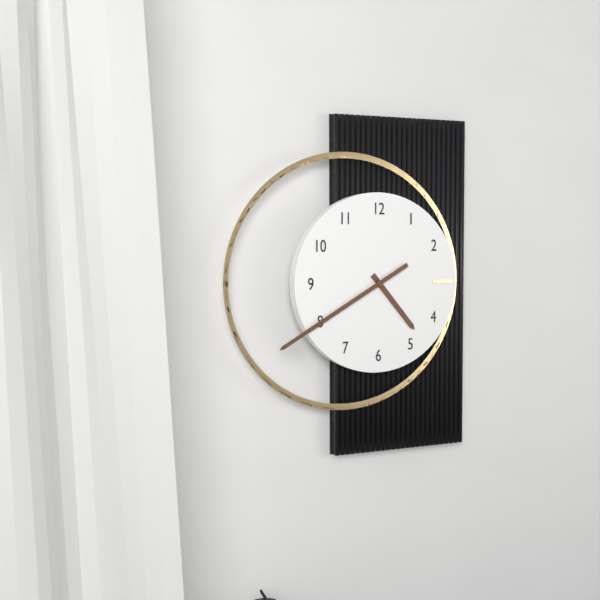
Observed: 4,40
